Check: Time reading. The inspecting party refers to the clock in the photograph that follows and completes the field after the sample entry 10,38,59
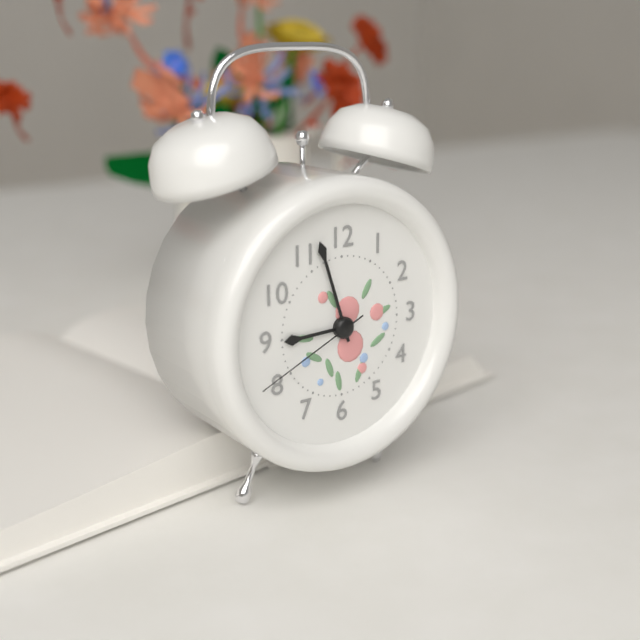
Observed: 8,57,41
